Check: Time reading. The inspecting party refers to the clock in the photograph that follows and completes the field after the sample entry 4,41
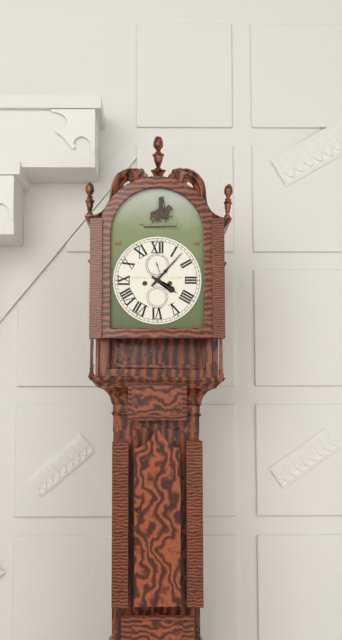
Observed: 4,07
